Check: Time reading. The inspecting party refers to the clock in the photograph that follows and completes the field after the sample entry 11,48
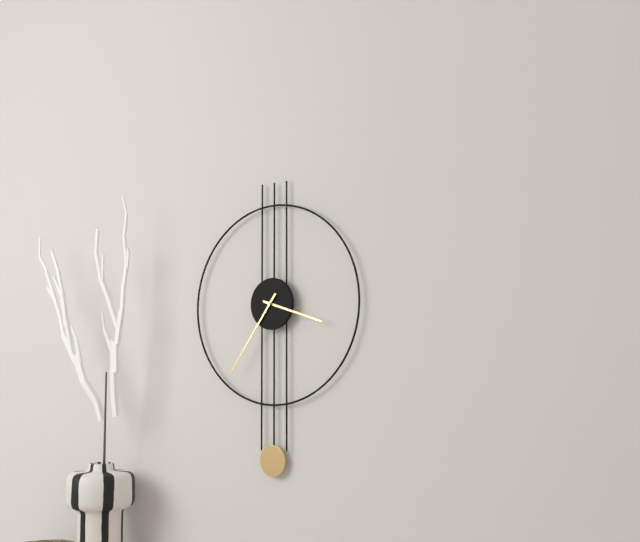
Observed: 3,36
